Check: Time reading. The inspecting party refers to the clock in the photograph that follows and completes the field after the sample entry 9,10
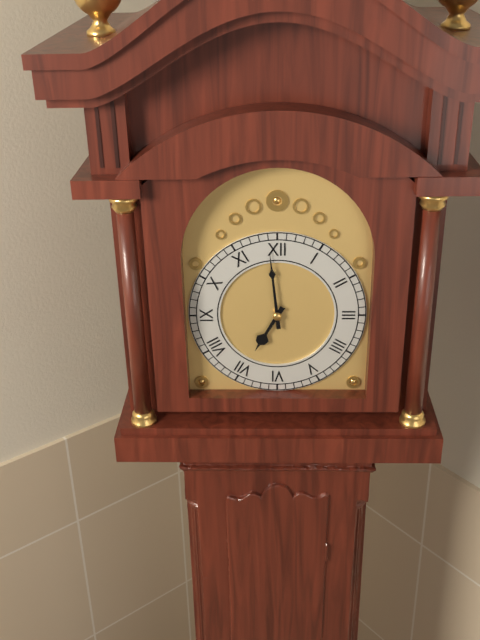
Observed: 6,59
